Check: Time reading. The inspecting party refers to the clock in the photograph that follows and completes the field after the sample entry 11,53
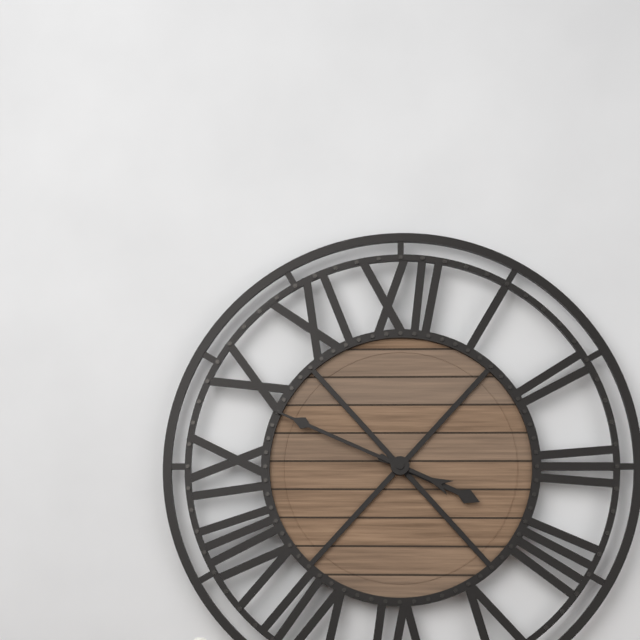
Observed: 3,49
